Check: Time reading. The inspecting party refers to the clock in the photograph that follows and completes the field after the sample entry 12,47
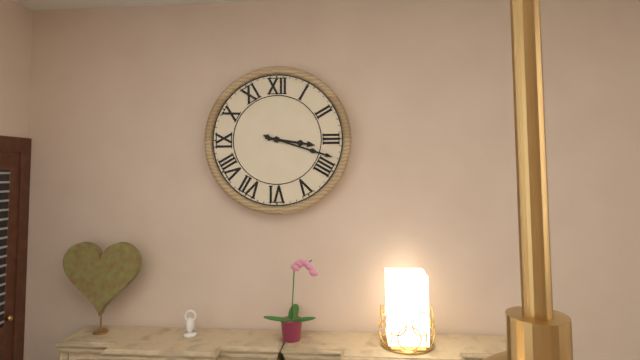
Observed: 3,18
